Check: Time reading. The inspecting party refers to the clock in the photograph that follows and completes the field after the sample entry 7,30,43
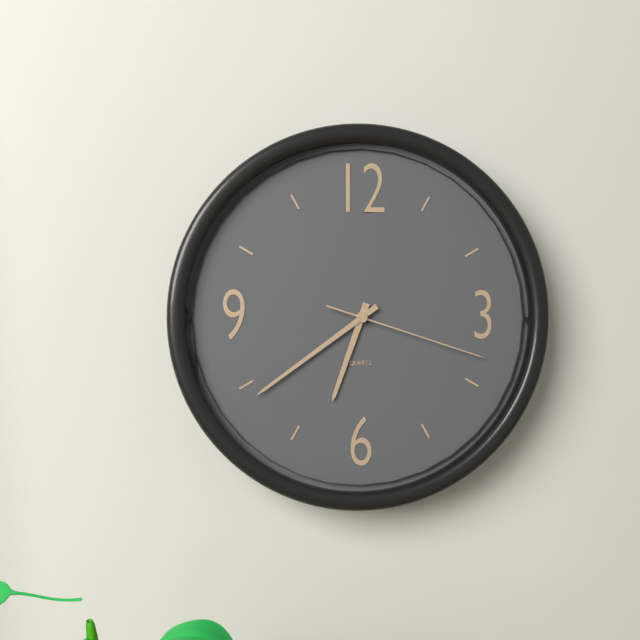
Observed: 6,39,18
